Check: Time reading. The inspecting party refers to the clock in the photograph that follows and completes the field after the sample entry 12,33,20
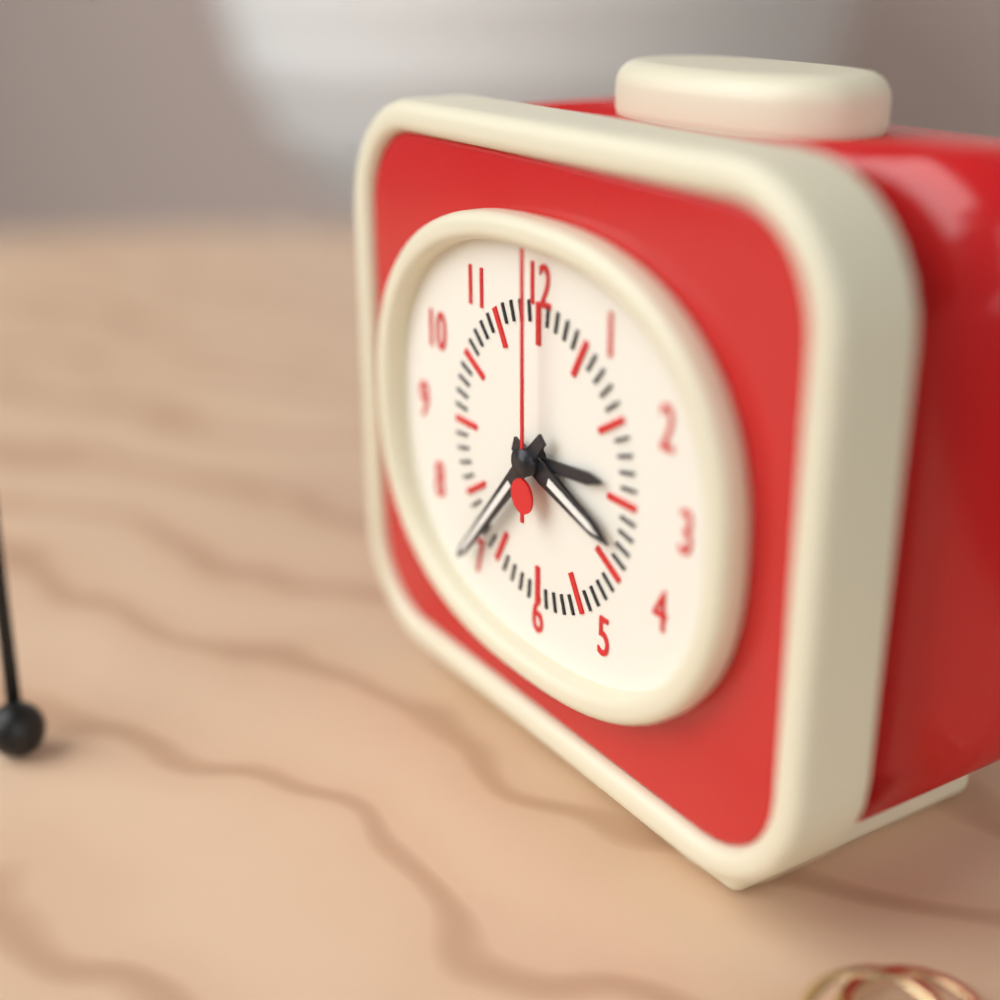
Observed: 3,37,00
